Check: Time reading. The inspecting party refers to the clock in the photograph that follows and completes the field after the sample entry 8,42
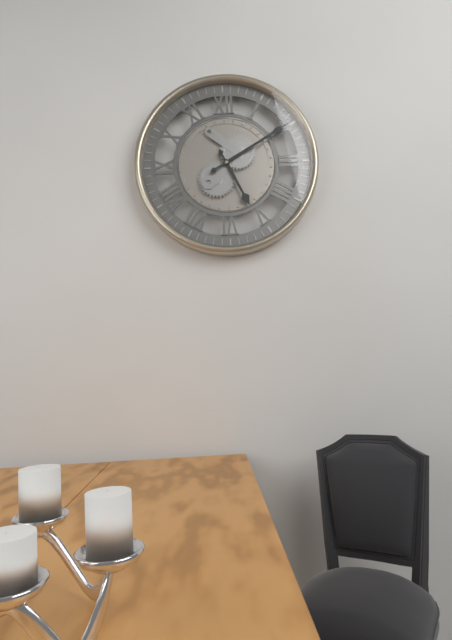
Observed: 5,10
